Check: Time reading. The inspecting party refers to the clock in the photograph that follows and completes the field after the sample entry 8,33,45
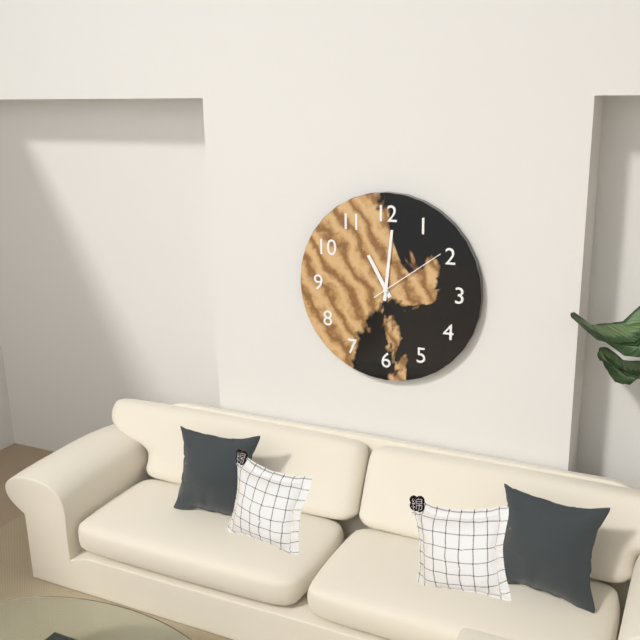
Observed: 11,01,09
